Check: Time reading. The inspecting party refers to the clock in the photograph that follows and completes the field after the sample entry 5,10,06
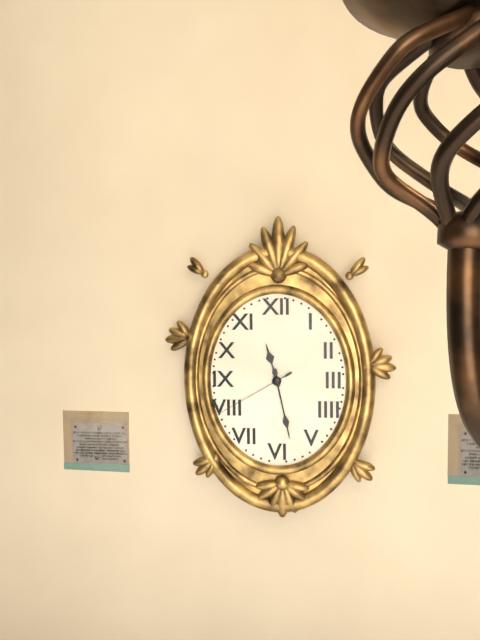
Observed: 11,28,40
